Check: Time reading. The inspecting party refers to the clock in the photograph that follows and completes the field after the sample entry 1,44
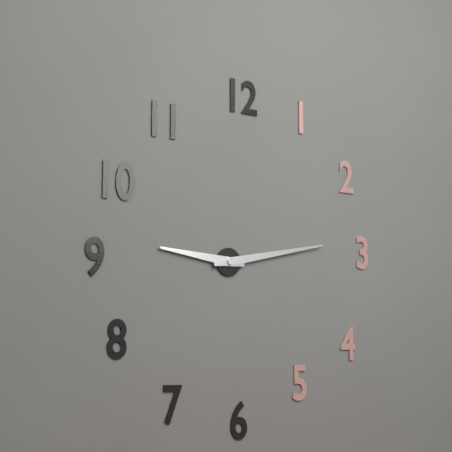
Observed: 9,13
